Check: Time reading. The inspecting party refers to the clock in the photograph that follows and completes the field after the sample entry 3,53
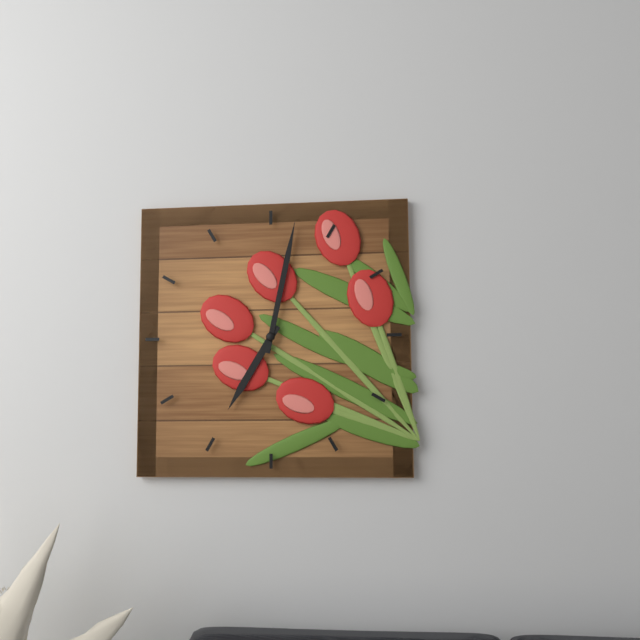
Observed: 7,02
